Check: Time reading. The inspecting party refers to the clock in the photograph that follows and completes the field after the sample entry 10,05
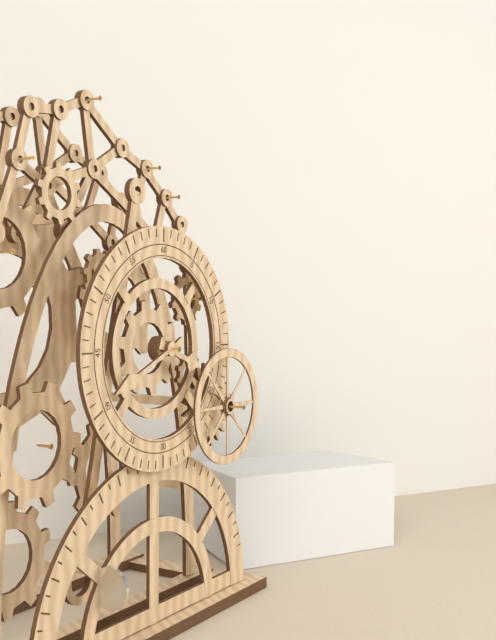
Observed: 3,41
